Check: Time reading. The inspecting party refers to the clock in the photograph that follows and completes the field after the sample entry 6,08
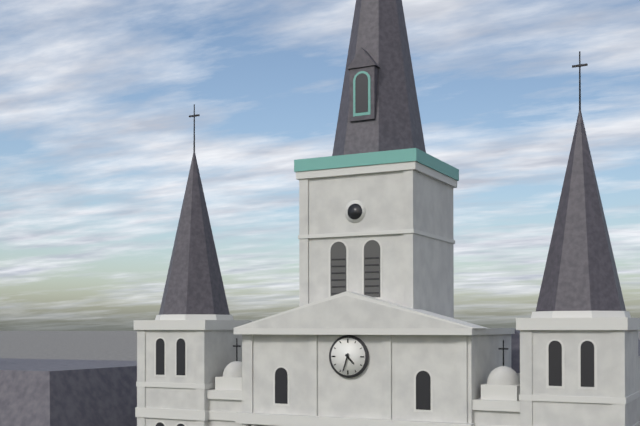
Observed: 4,33
